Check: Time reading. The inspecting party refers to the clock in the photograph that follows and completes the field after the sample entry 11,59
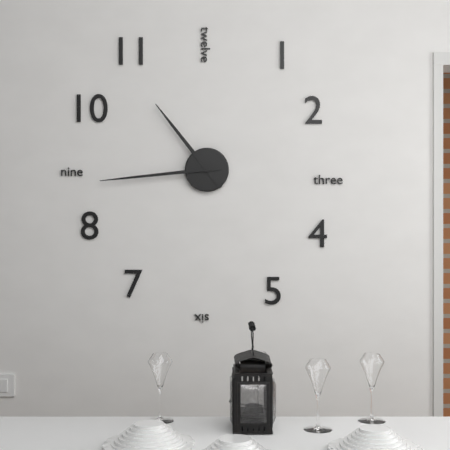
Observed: 10,44
